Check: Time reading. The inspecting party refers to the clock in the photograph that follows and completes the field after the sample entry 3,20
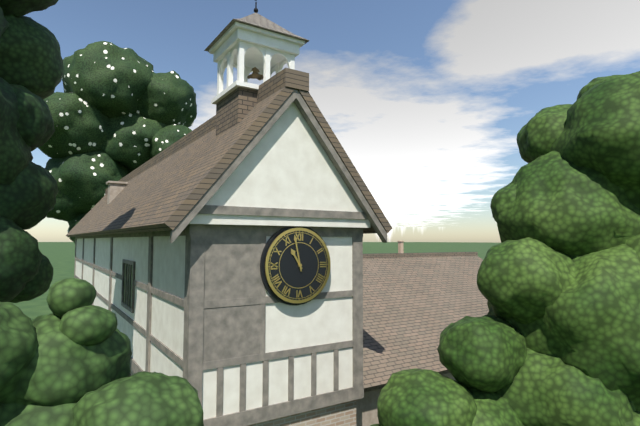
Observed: 10,58
